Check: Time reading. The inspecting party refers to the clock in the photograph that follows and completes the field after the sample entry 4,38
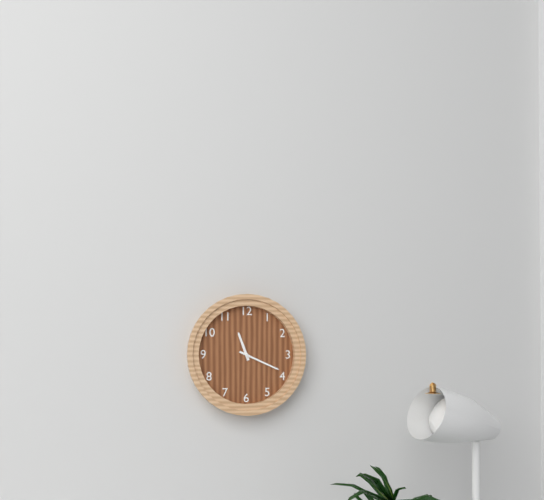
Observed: 11,19
